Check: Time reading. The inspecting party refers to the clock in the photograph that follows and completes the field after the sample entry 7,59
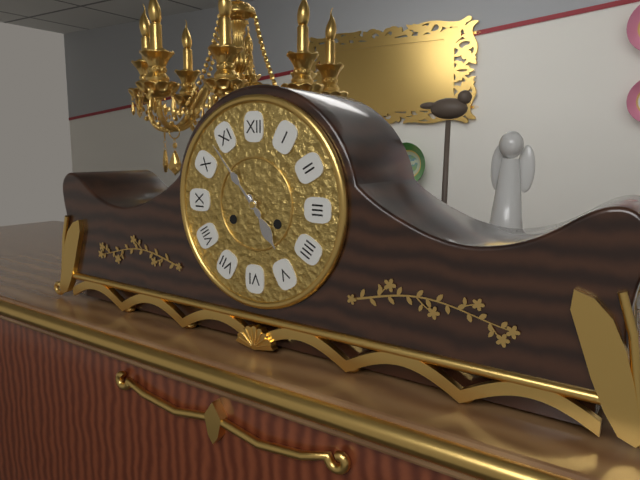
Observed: 4,53
